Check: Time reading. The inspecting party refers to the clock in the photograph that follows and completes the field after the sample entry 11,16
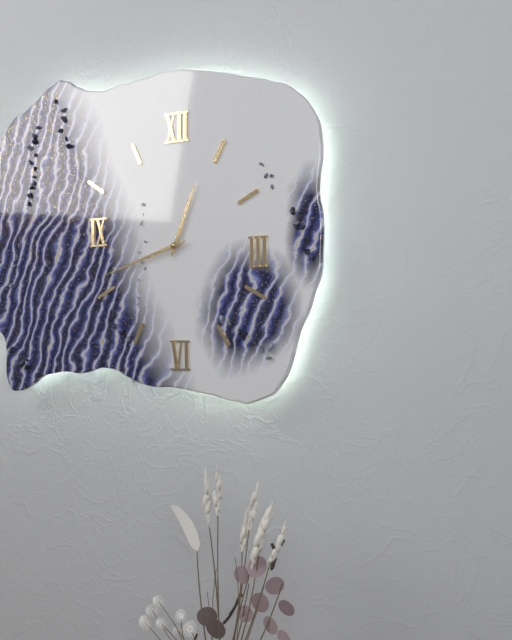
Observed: 12,42
